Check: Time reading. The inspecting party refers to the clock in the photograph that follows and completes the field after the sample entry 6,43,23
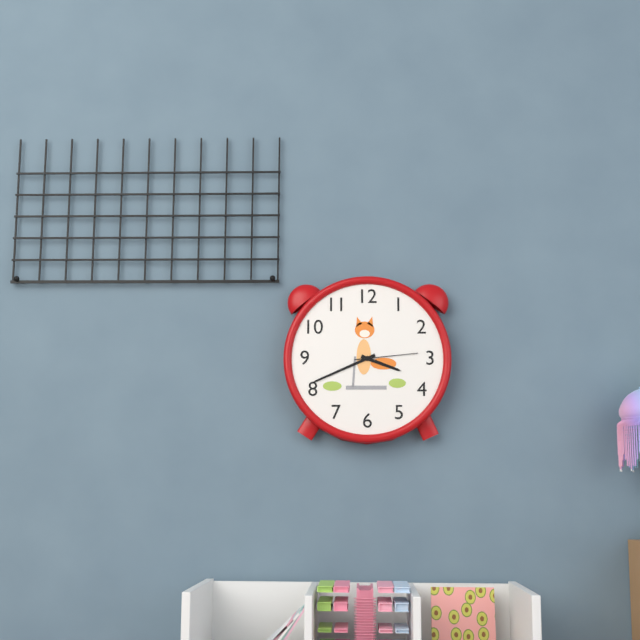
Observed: 3,41,14
